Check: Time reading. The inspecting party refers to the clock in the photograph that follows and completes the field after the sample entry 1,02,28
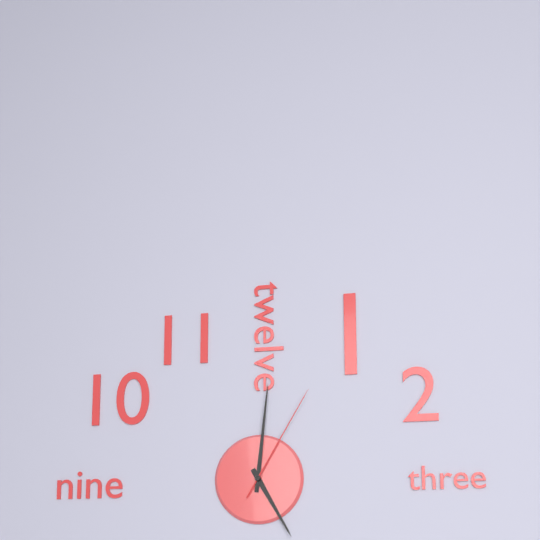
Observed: 5,01,05
